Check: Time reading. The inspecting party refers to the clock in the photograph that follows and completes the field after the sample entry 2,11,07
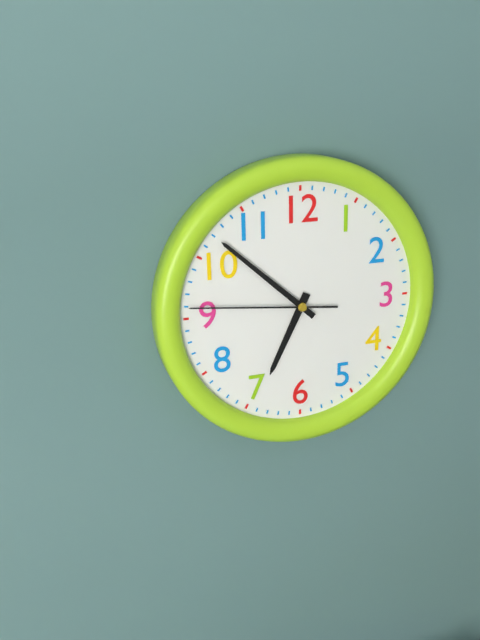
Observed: 6,52,46
